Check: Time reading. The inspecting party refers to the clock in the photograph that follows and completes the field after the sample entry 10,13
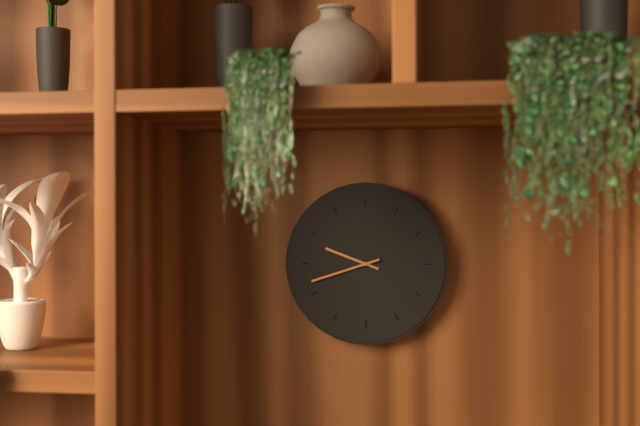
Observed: 9,42
